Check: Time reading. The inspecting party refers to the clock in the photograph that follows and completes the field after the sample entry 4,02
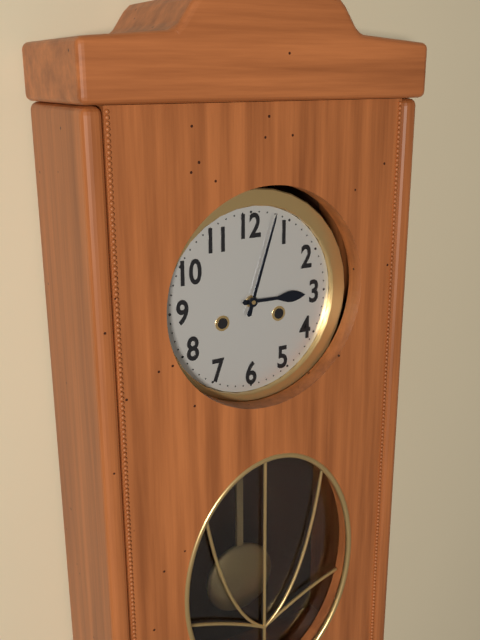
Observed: 3,03
